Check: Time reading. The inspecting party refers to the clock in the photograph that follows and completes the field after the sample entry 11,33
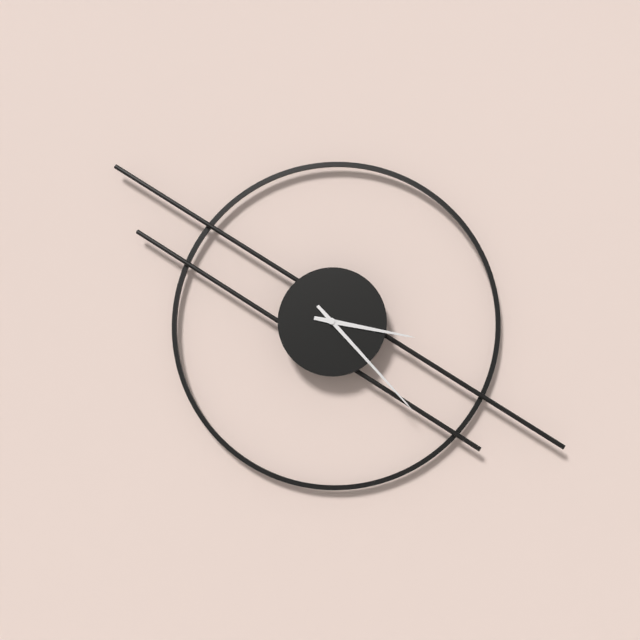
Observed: 3,23
